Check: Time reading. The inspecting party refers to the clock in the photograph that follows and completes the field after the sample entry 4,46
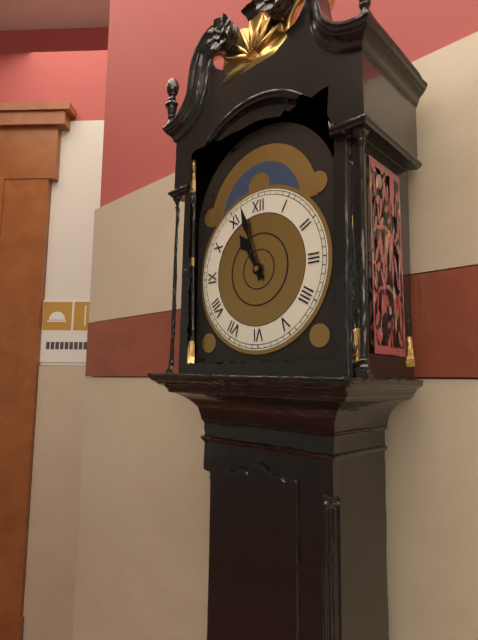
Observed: 10,57
